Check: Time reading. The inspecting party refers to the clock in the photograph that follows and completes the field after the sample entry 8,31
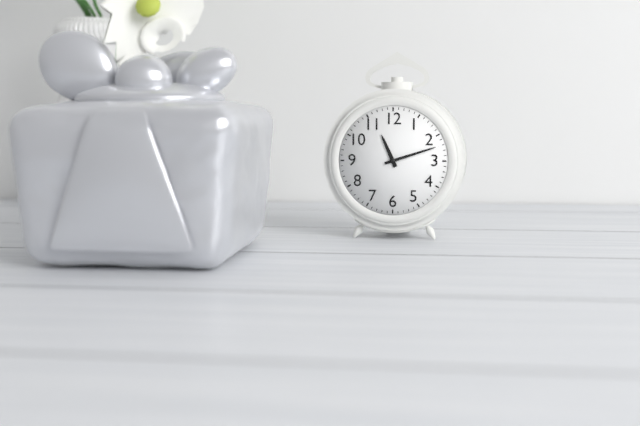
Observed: 11,12
